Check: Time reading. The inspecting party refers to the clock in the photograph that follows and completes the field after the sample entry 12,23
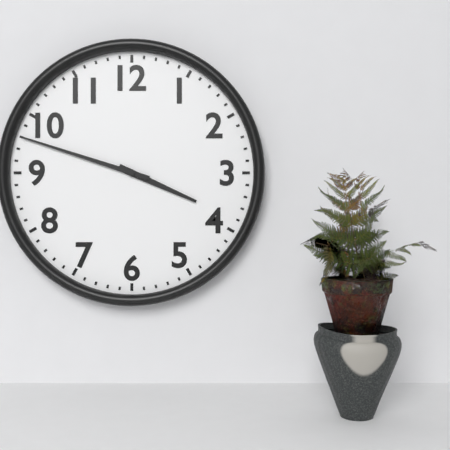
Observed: 3,48
